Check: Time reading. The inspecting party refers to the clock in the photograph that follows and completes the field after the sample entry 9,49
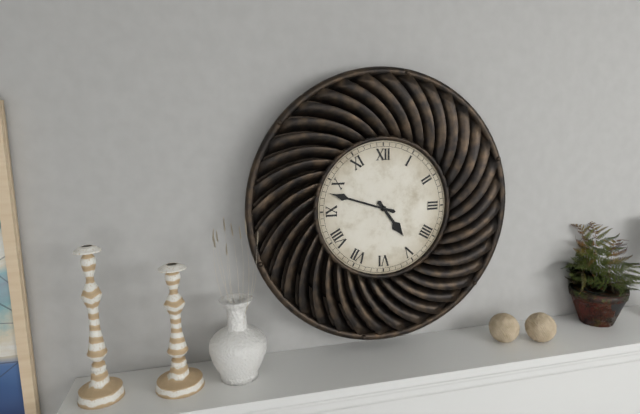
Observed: 4,48
